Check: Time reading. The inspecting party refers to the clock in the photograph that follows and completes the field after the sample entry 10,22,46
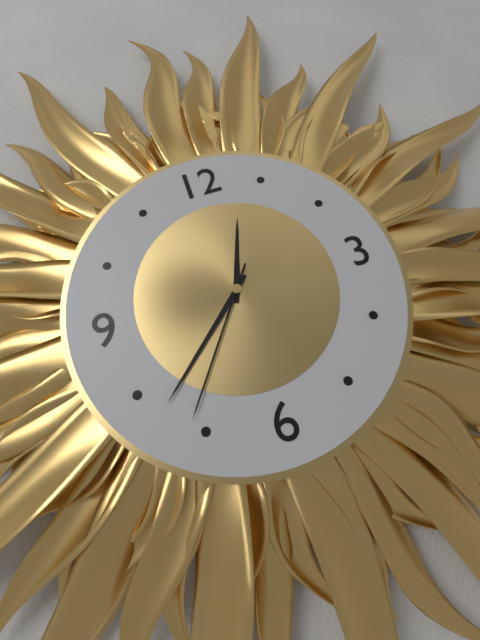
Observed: 12,38,36
